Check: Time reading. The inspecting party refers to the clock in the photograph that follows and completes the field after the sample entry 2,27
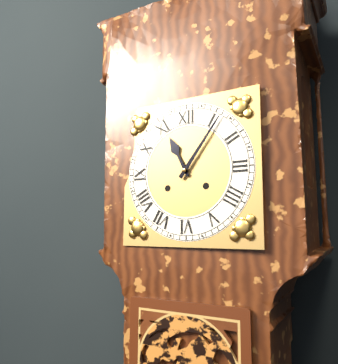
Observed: 11,06
